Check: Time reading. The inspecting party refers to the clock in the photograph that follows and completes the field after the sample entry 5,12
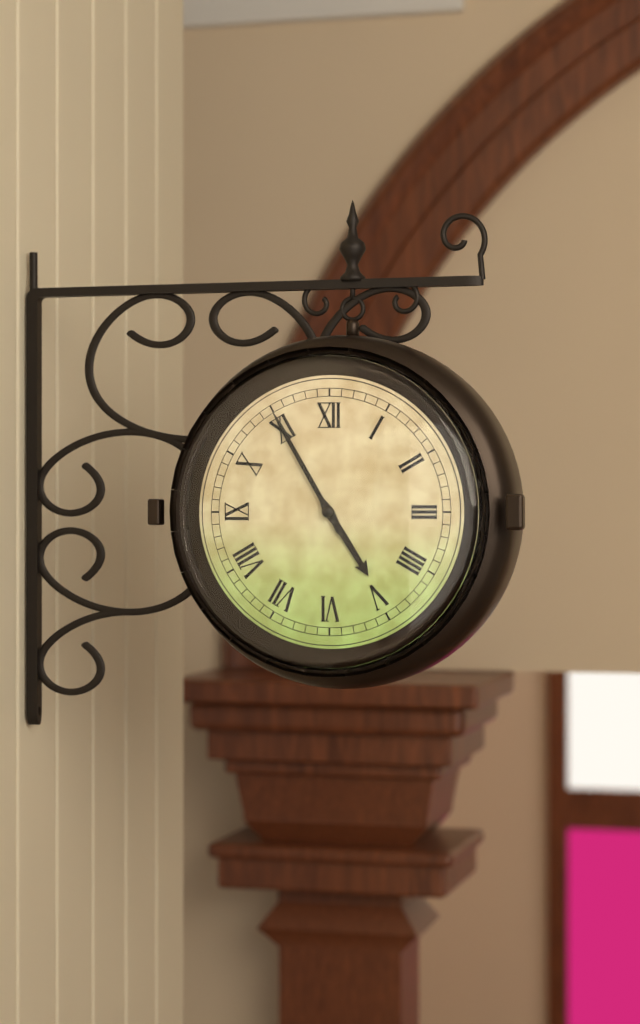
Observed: 4,55
